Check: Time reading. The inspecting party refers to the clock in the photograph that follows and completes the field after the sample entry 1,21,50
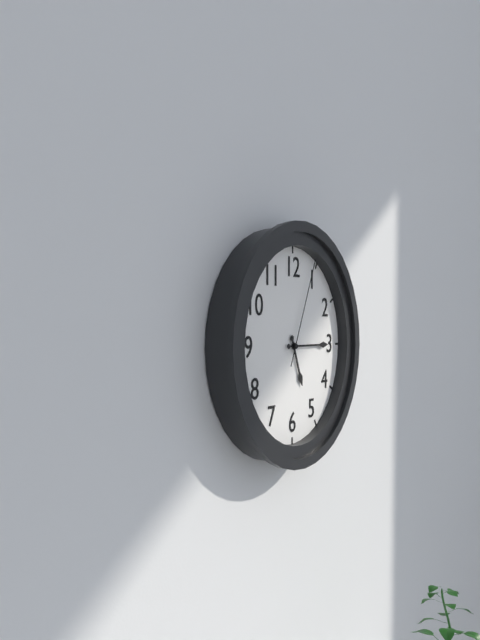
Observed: 5,15,04
